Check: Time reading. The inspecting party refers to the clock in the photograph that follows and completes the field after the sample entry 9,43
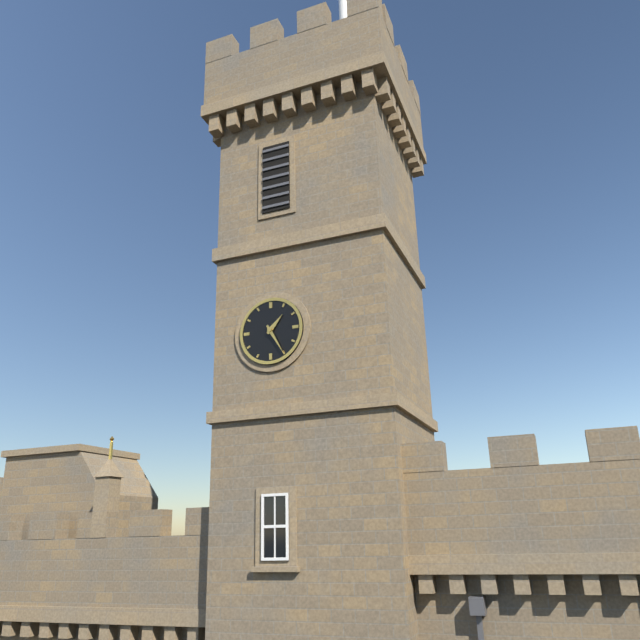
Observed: 1,25
